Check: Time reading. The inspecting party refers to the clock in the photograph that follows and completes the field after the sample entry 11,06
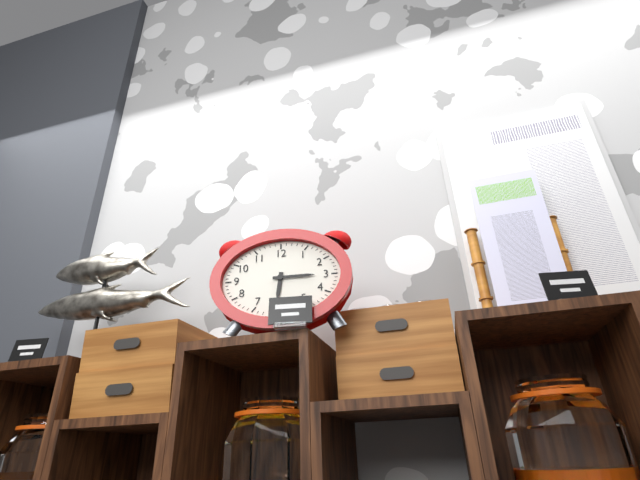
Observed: 6,15
